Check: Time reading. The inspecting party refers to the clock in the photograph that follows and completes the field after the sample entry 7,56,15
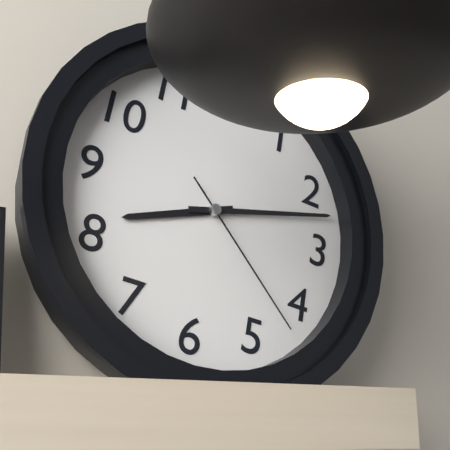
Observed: 8,12,22
